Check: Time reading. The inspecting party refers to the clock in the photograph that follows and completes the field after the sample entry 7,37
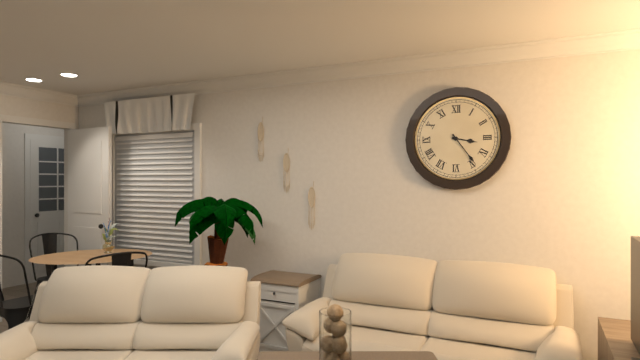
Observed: 3,24
